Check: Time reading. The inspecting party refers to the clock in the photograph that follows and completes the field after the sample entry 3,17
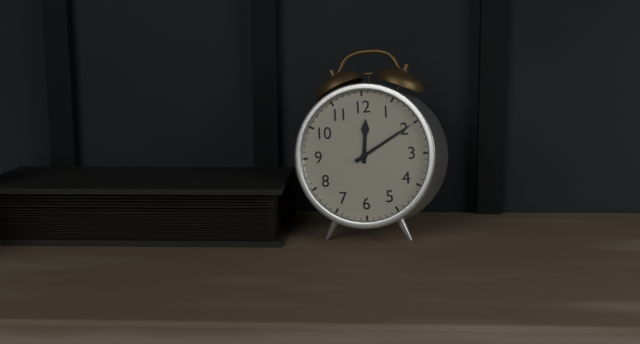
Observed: 12,10
